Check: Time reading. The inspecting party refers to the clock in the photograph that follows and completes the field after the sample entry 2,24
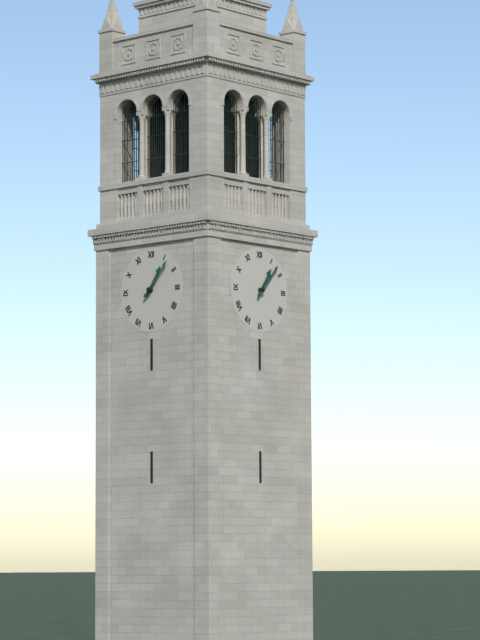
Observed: 1,07
